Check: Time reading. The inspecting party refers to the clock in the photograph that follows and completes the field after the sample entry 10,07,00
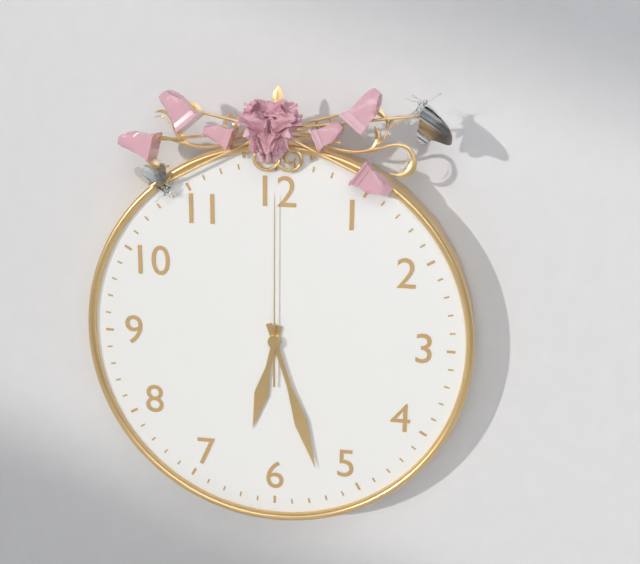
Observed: 6,27,00
